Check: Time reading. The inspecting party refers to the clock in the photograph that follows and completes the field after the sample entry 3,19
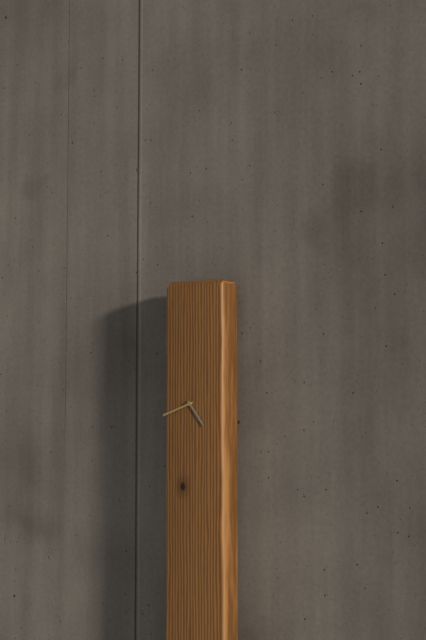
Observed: 4,42
